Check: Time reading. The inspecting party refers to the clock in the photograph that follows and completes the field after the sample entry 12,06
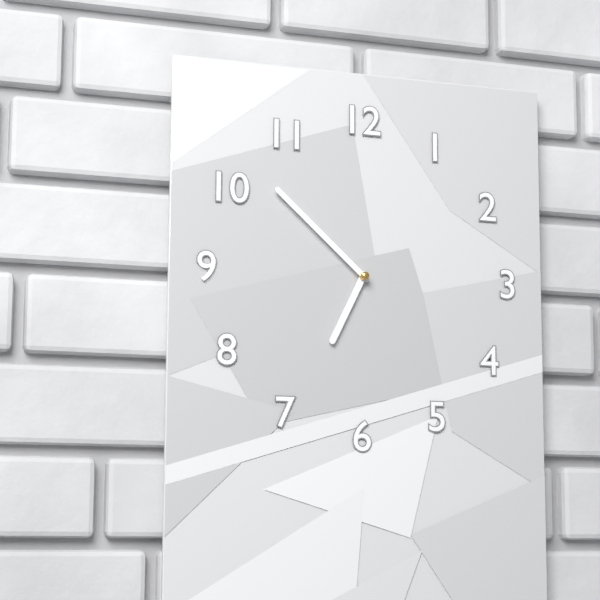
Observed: 6,52
